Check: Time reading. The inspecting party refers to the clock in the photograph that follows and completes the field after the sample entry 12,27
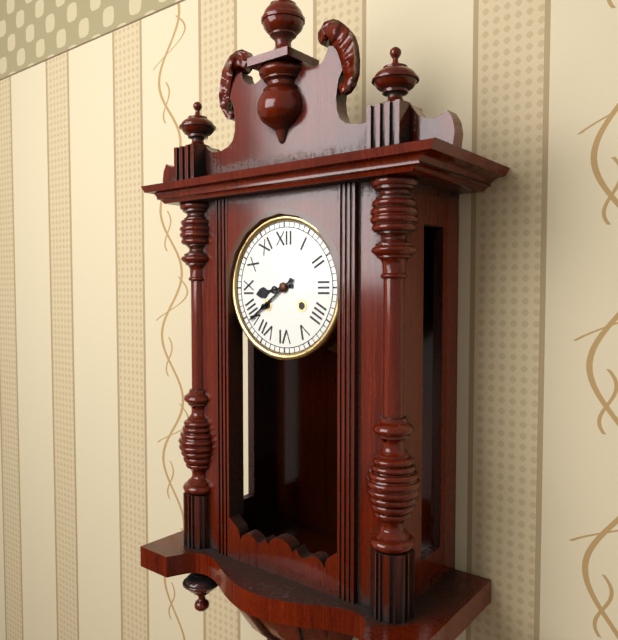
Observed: 8,39
